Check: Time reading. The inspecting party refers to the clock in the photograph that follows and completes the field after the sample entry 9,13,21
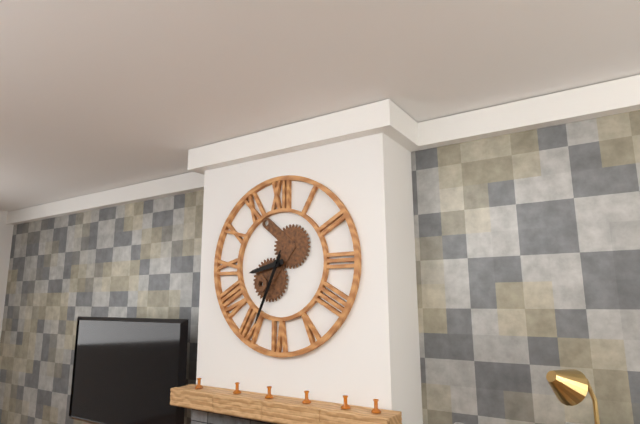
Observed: 8,34,34
